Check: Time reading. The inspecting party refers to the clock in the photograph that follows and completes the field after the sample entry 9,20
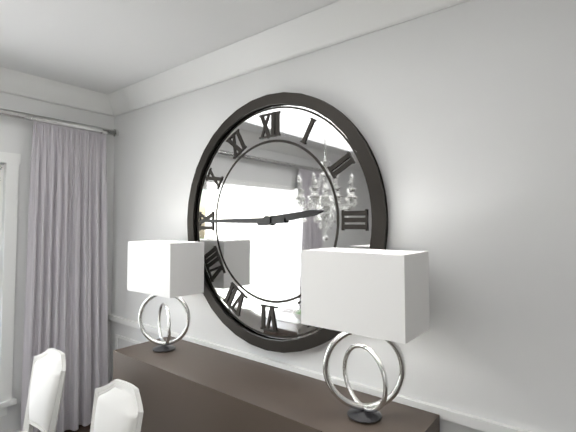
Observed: 2,45
